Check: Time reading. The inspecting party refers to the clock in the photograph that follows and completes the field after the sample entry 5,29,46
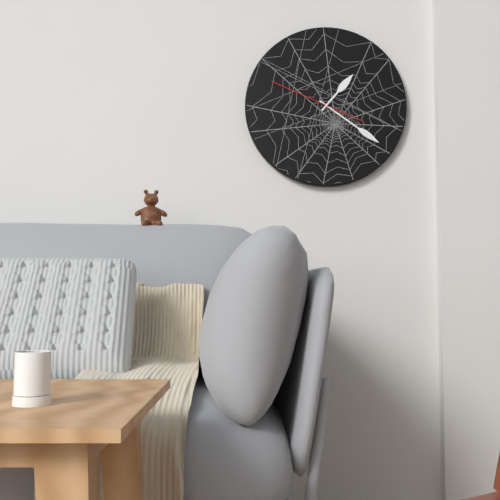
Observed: 1,21,49
